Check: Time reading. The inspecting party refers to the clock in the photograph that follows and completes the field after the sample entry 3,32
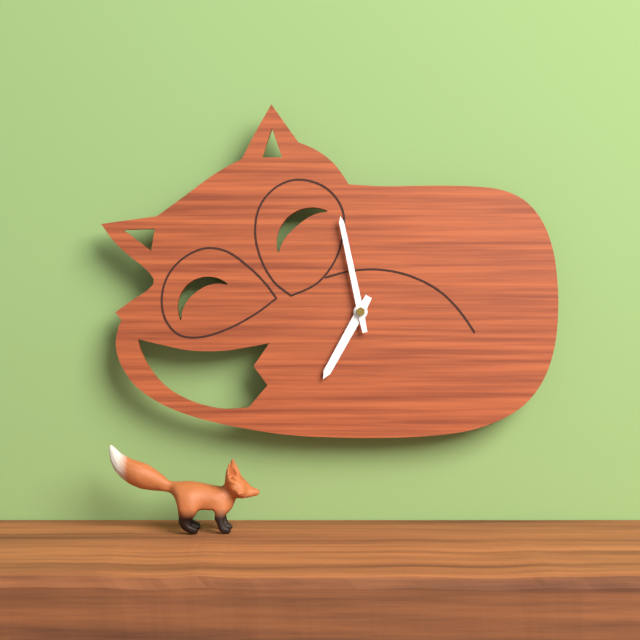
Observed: 6,58
